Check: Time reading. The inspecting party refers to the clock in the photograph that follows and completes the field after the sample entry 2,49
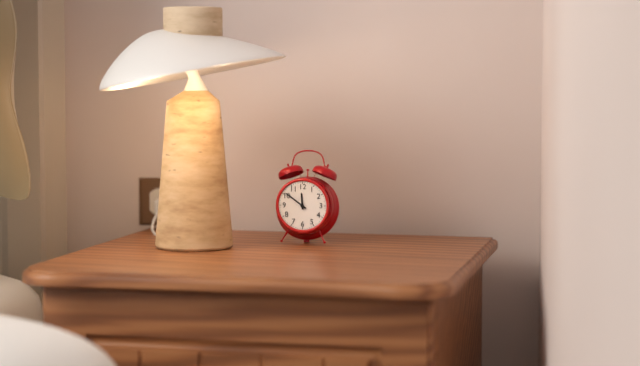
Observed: 11,51
